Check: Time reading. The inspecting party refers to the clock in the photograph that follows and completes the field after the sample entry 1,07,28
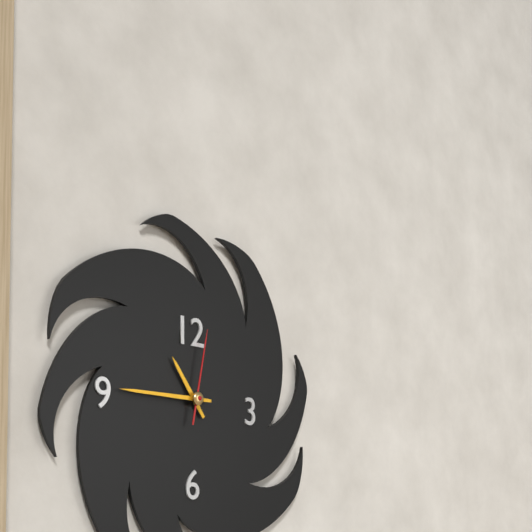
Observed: 10,45,02
